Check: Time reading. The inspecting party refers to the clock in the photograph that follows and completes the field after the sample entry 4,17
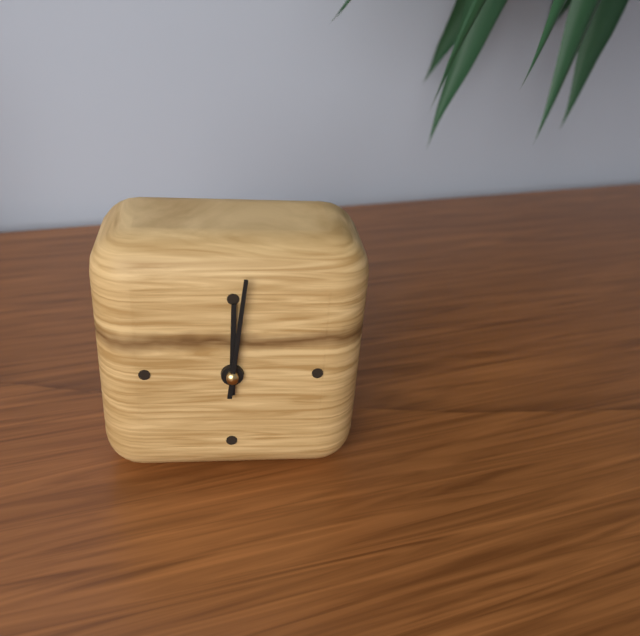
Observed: 12,01
